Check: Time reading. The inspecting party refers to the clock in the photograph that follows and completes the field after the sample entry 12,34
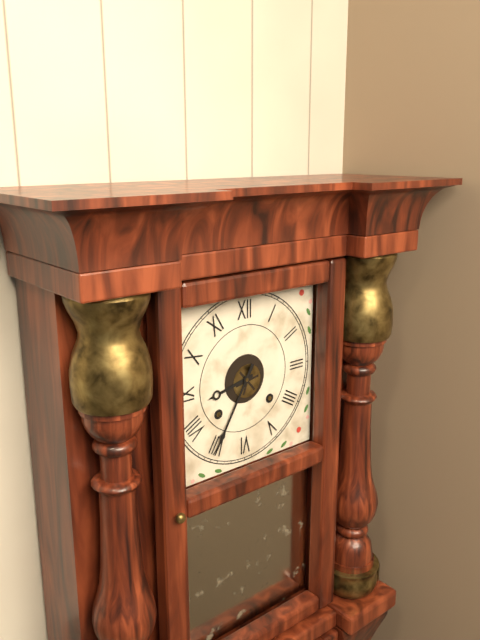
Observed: 8,35
